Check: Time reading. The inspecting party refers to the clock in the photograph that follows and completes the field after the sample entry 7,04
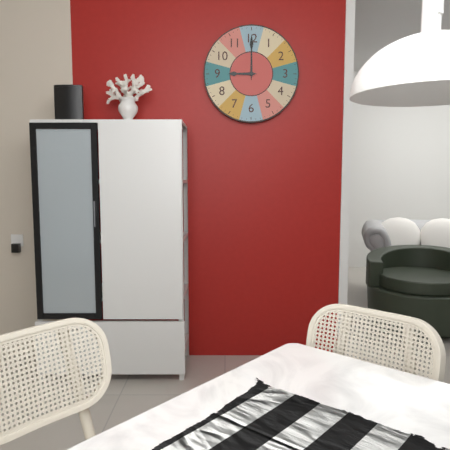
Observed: 9,00
